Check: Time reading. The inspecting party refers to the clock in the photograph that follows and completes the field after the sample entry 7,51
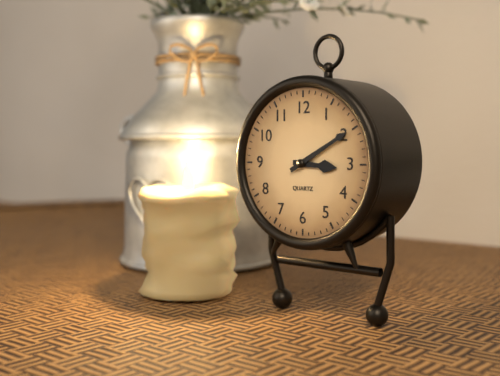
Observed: 3,10
